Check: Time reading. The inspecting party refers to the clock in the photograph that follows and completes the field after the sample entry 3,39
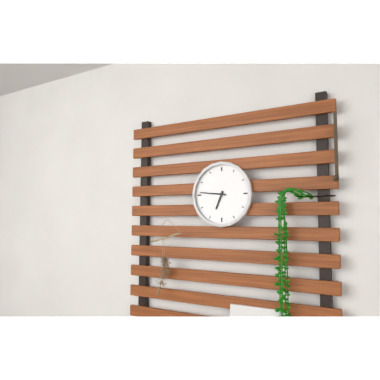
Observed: 6,46
